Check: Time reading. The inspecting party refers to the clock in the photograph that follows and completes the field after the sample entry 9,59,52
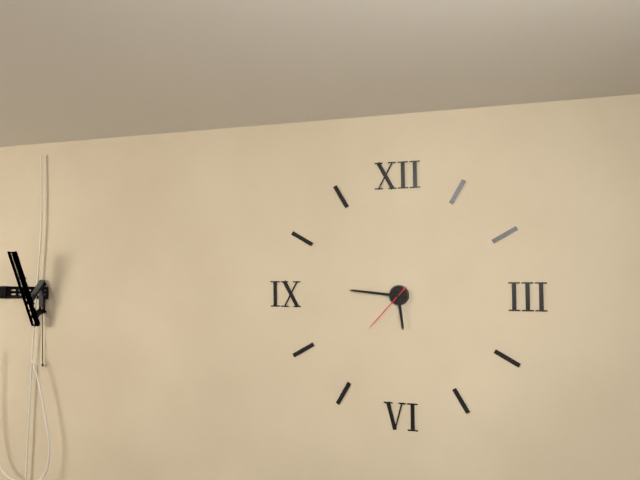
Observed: 5,46,37
